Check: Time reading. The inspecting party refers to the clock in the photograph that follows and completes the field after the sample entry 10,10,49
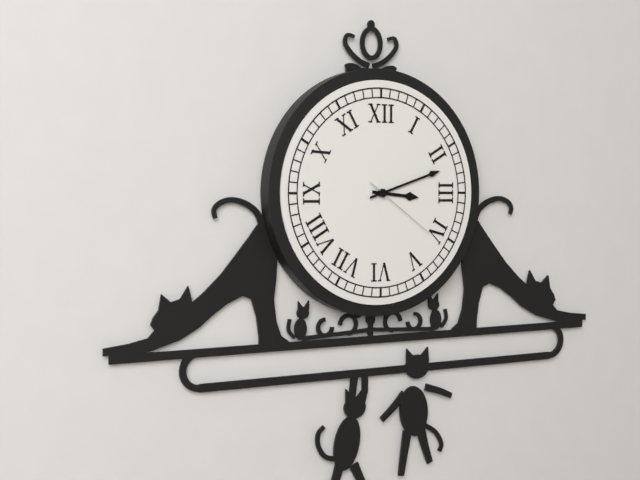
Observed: 3,12,21
